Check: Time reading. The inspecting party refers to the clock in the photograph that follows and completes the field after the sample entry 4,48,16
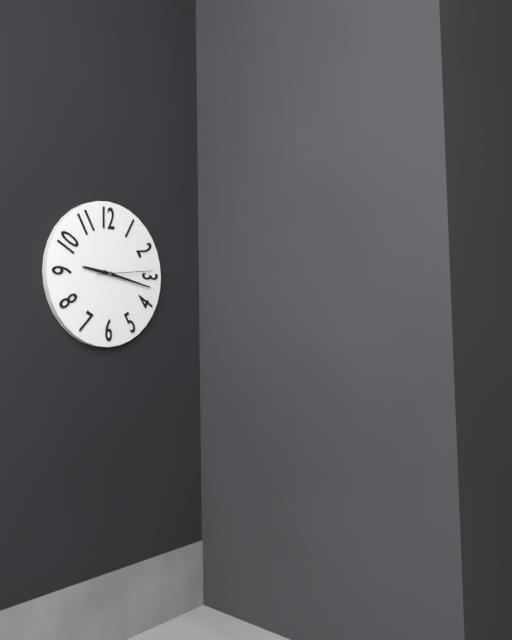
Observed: 9,17,14
